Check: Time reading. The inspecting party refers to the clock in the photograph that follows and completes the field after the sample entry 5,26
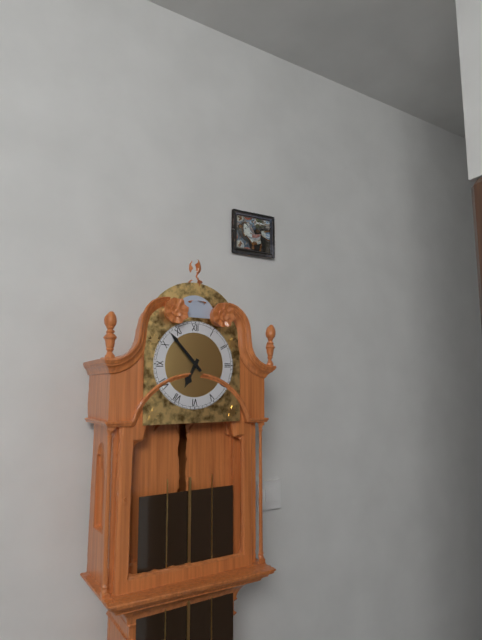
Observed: 6,53
